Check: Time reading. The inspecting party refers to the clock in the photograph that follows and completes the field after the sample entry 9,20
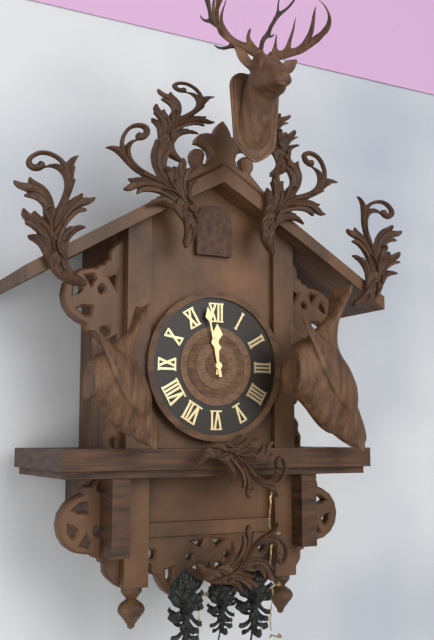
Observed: 11,58
